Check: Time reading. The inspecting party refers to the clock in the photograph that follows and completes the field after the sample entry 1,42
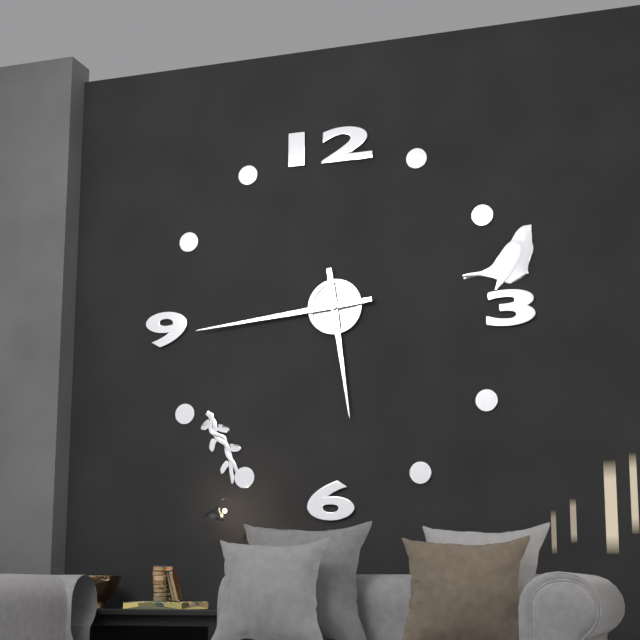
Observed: 5,44
